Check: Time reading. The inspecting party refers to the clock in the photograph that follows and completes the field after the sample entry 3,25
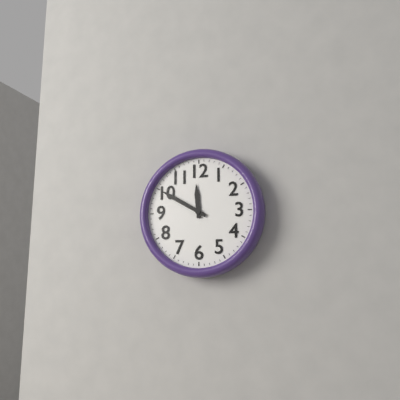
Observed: 11,50
